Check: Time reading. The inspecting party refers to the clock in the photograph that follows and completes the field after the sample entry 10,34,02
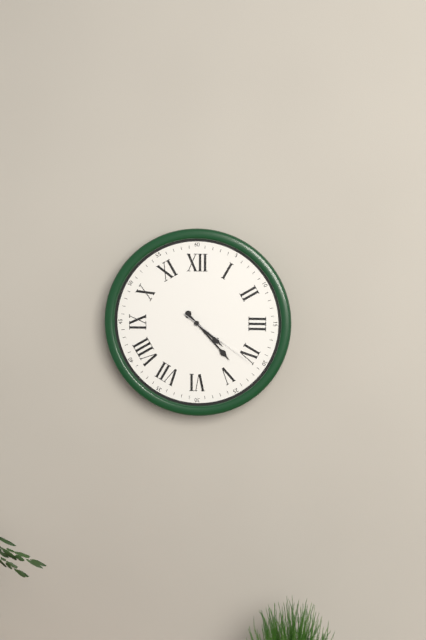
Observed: 4,23,21
